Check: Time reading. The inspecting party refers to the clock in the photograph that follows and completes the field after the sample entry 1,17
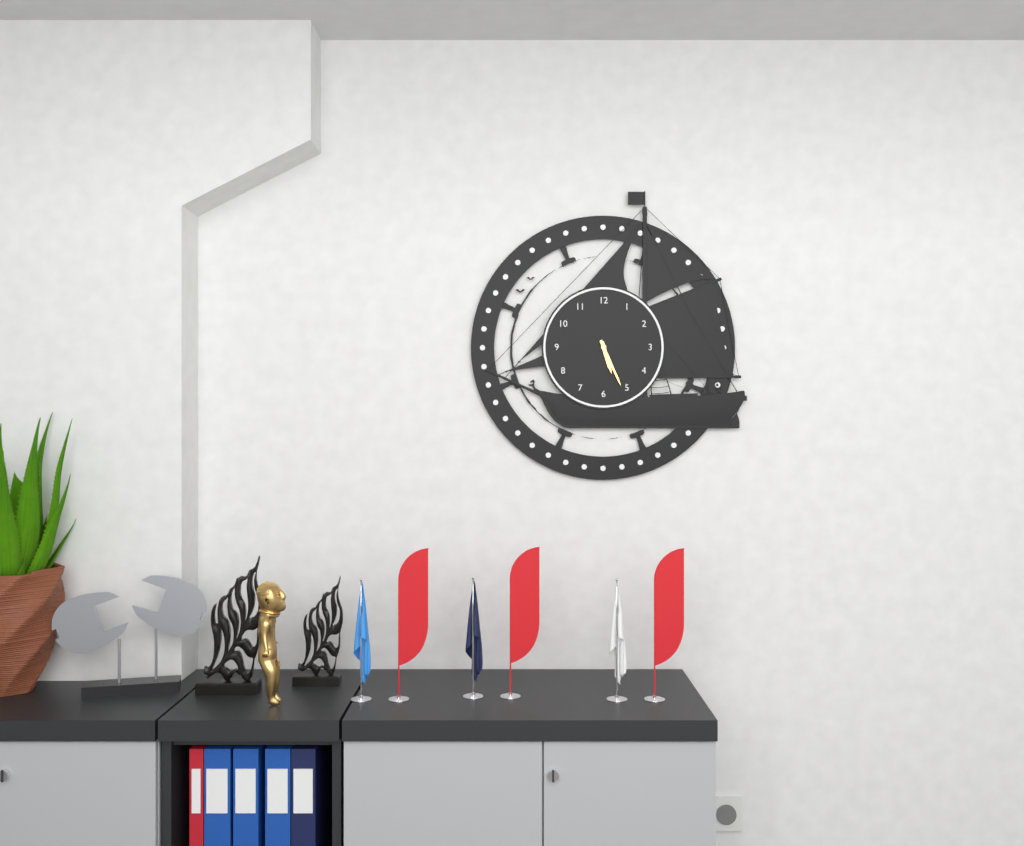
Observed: 5,26
